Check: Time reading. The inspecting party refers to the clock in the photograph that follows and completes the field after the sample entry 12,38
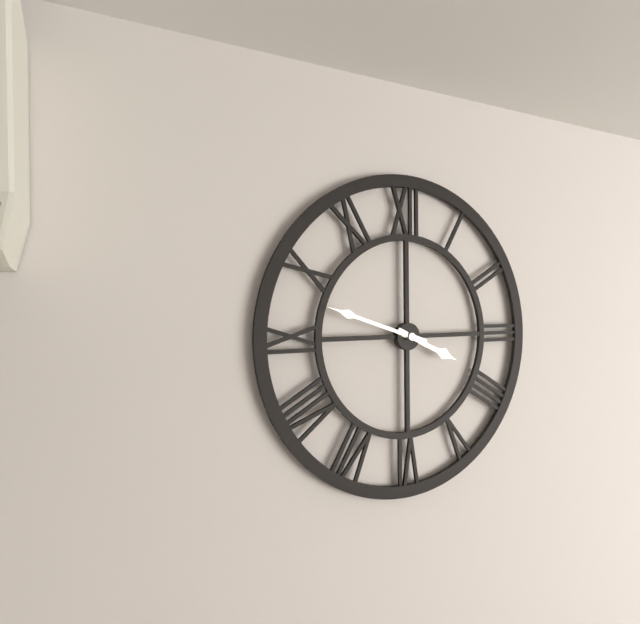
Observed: 3,48
